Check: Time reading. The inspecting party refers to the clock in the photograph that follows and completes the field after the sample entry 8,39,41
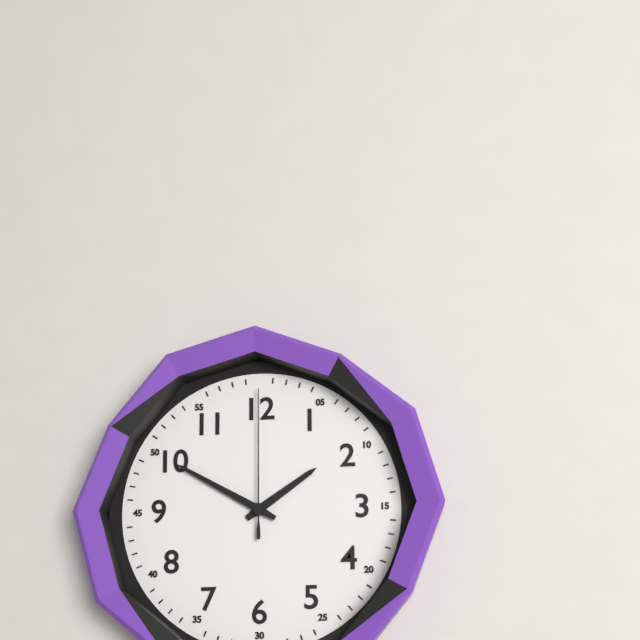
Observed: 1,50,00
